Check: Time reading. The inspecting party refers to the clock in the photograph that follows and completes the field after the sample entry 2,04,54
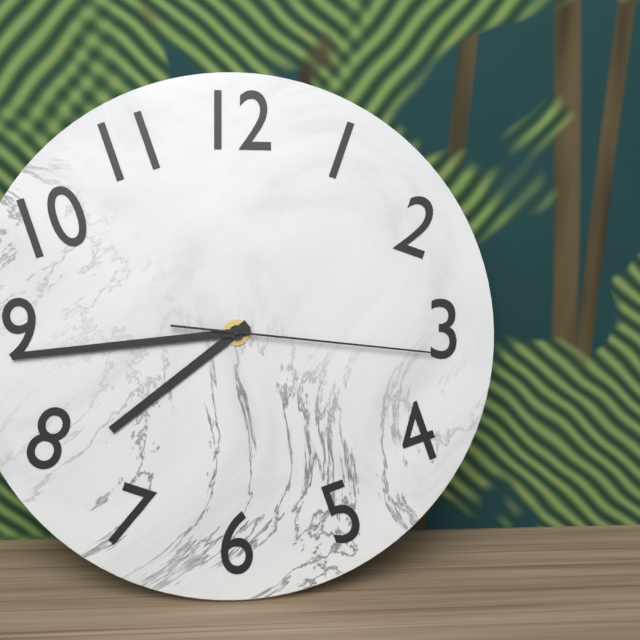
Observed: 7,44,16
